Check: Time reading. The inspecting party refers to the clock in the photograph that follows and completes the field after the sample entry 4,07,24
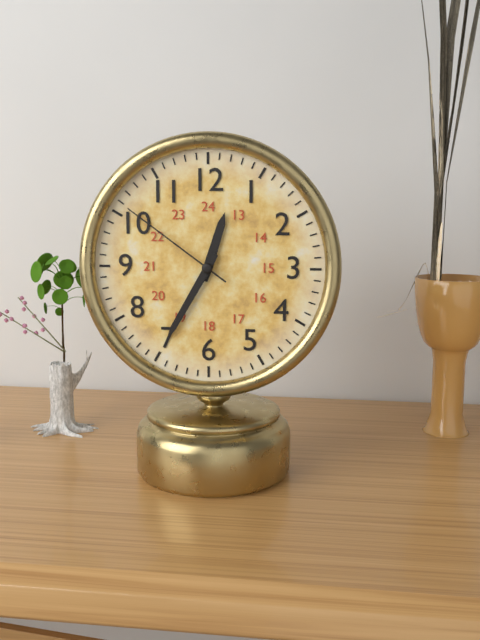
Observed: 12,35,51
